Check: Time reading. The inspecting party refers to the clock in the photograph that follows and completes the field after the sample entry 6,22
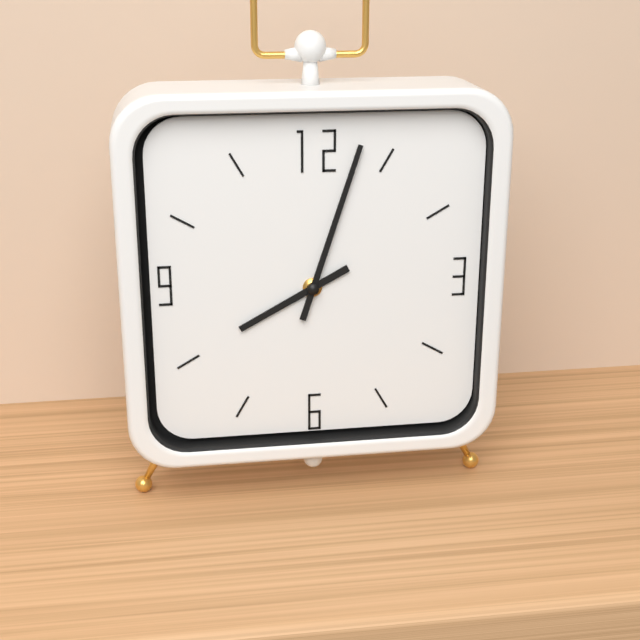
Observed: 8,03
